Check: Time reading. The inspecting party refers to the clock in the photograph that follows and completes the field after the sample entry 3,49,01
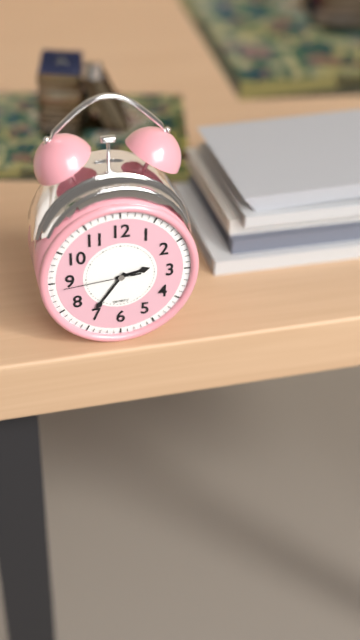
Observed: 2,36,44
